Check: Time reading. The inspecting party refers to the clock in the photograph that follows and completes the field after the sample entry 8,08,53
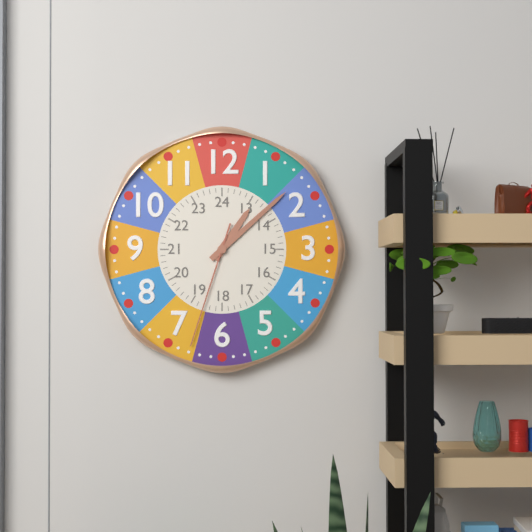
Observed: 1,08,33
